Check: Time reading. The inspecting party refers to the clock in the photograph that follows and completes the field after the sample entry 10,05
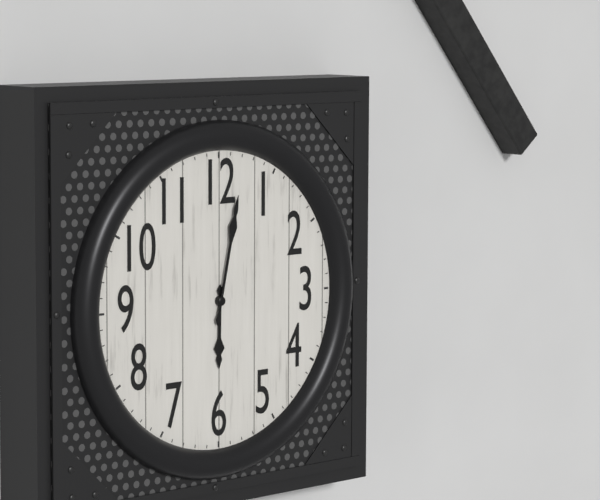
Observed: 6,02
